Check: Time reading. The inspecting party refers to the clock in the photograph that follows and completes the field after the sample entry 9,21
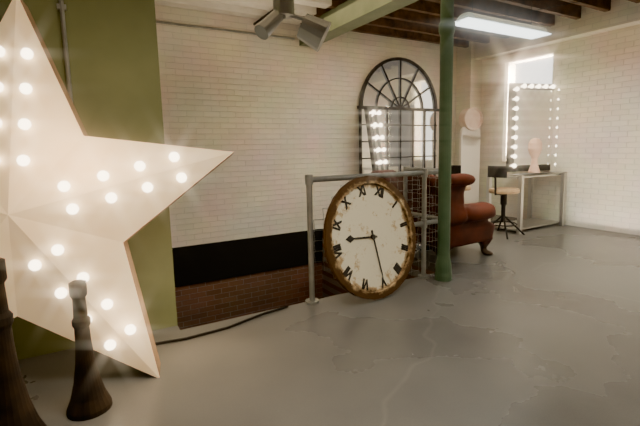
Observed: 8,25
